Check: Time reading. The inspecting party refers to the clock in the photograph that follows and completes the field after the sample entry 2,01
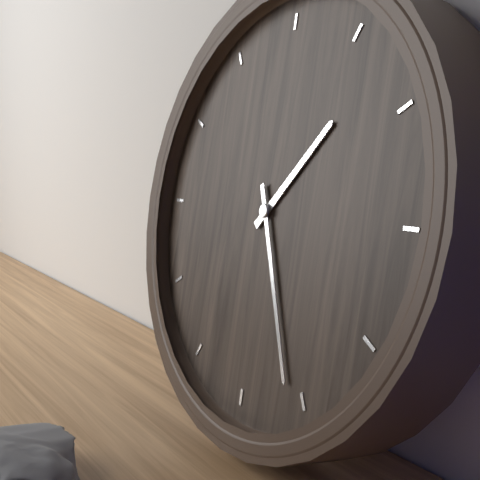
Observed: 1,26
